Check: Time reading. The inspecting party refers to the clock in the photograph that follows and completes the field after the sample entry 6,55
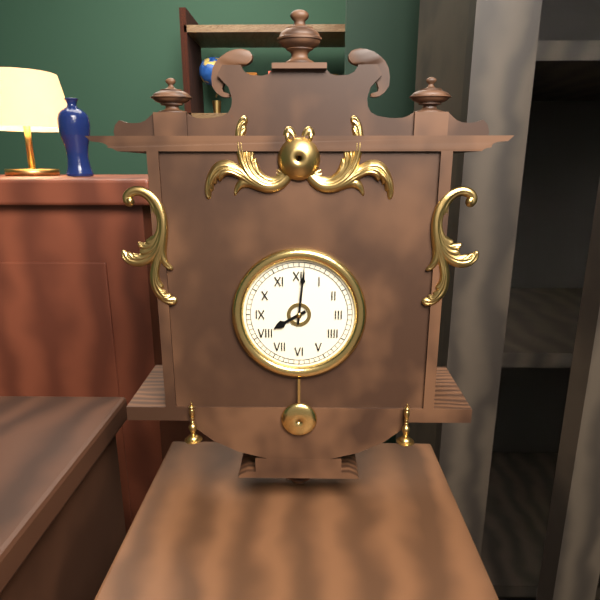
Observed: 8,01
